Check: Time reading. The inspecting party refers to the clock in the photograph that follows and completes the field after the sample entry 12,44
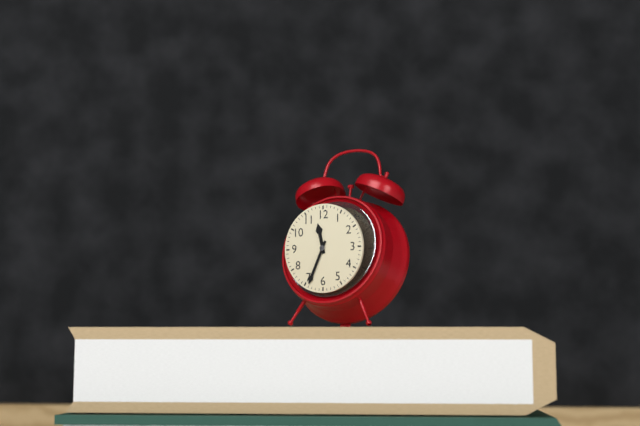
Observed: 11,34
